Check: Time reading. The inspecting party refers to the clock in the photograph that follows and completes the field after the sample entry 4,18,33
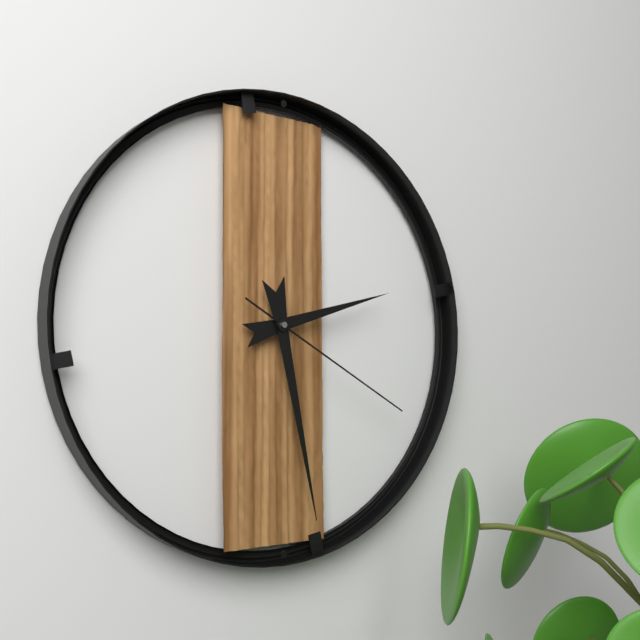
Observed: 2,28,20
